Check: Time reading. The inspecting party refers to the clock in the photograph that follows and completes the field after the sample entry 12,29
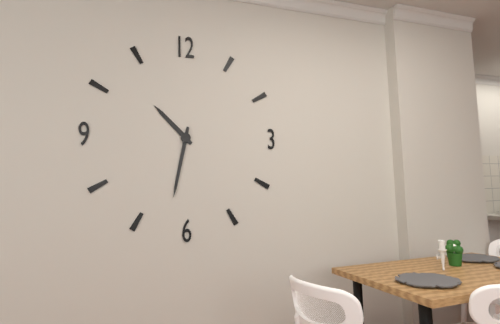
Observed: 10,32
